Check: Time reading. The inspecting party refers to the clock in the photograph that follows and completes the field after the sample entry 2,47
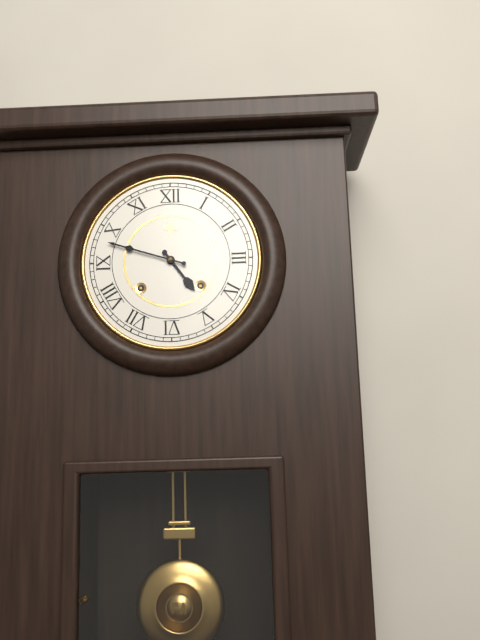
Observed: 4,48
